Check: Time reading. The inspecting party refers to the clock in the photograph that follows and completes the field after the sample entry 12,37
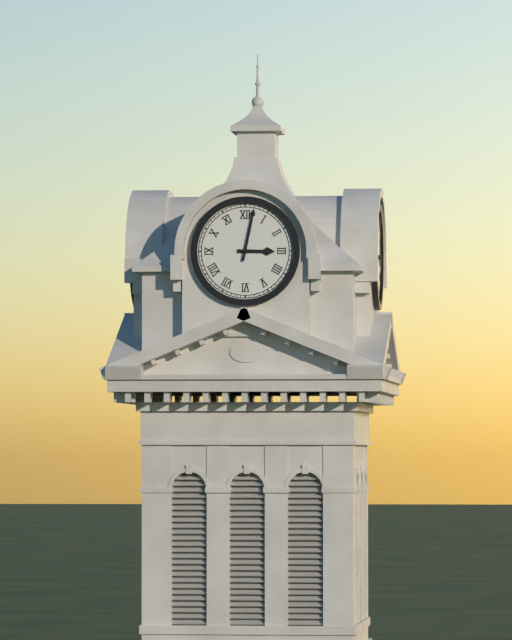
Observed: 3,02
